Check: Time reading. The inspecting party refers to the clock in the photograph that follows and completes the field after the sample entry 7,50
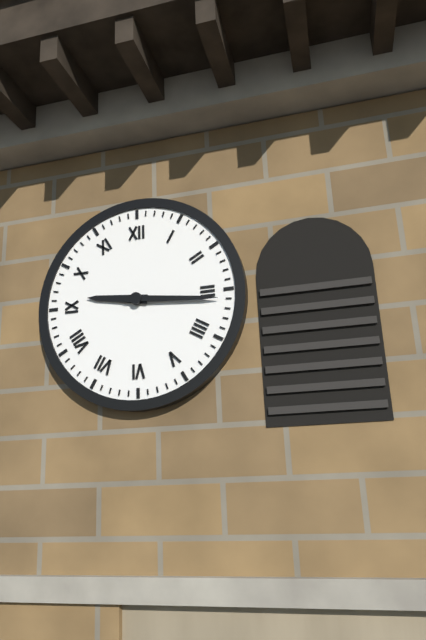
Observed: 9,16
